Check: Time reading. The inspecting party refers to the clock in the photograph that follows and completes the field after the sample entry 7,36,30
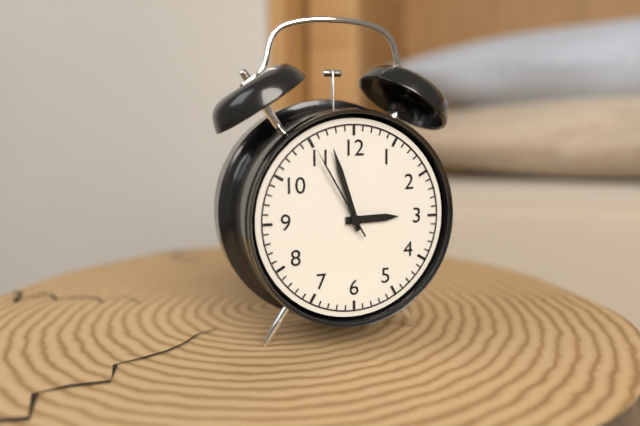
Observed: 2,57,55
